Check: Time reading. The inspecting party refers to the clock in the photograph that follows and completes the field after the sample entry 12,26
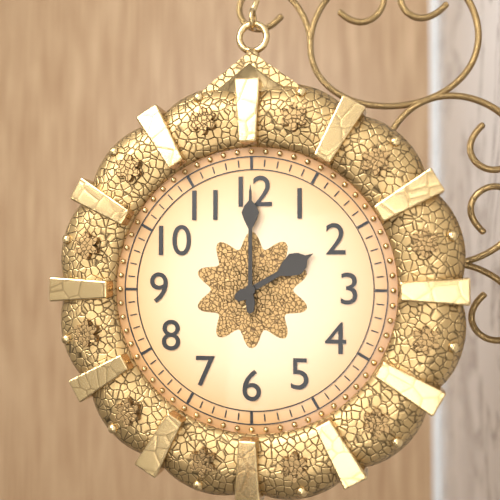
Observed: 2,00
